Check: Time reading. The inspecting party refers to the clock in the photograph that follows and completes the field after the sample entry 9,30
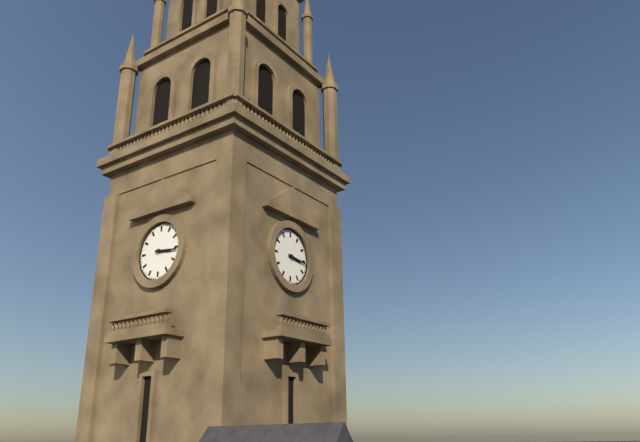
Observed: 3,16
